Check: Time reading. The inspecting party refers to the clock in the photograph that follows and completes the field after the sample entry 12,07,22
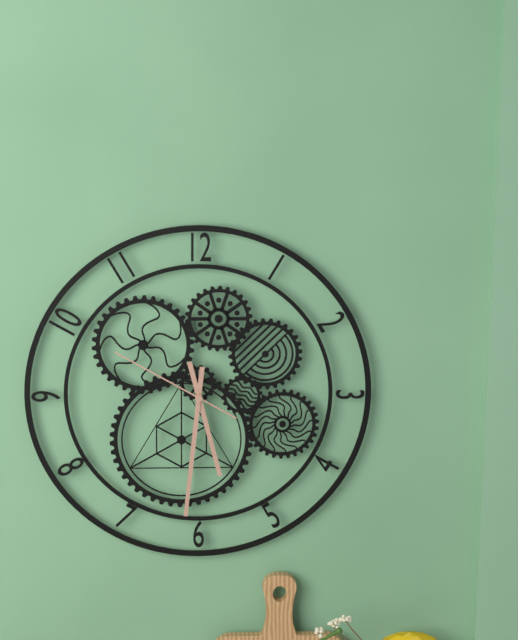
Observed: 5,31,50
